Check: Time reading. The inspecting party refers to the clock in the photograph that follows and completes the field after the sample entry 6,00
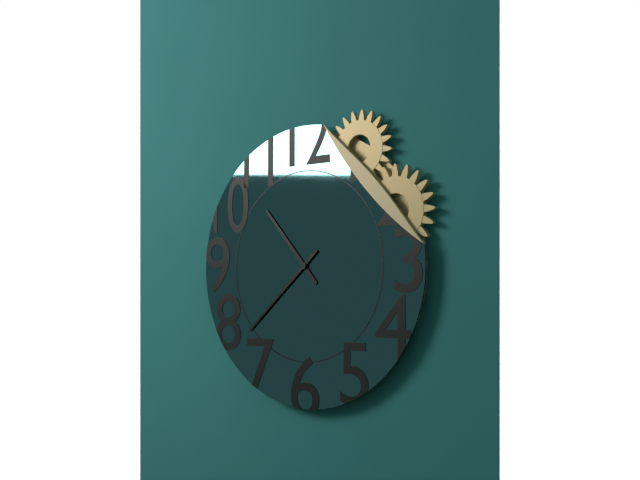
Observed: 10,38
